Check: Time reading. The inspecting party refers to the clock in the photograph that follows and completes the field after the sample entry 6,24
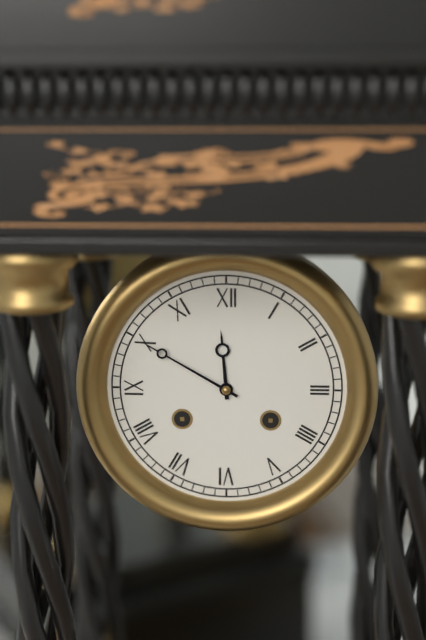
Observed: 11,50
